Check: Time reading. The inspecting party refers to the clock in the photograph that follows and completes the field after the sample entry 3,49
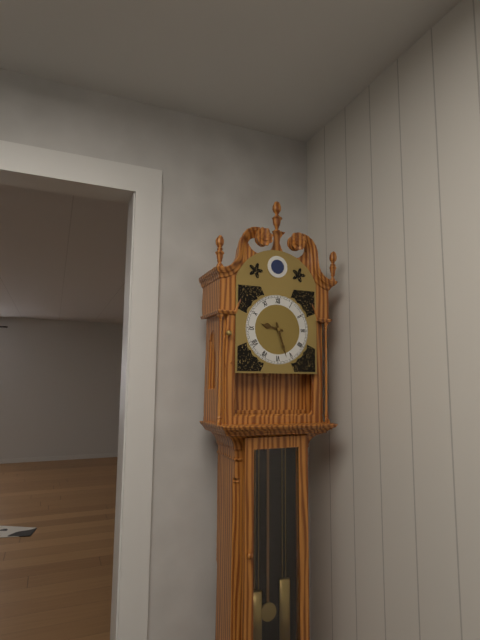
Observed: 9,27
